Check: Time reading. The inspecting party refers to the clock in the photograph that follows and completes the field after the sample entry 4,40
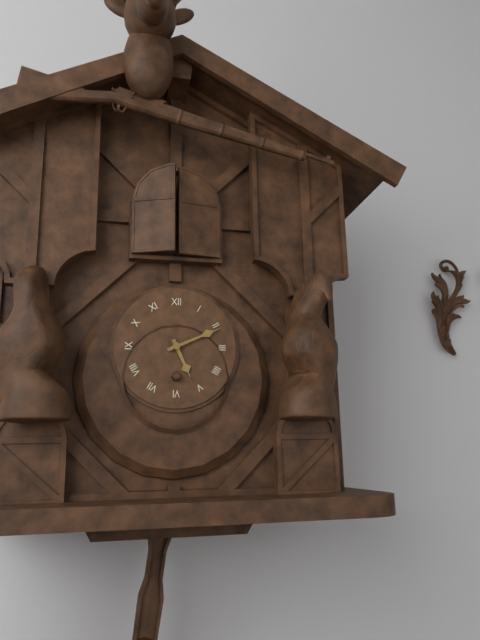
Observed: 5,11
